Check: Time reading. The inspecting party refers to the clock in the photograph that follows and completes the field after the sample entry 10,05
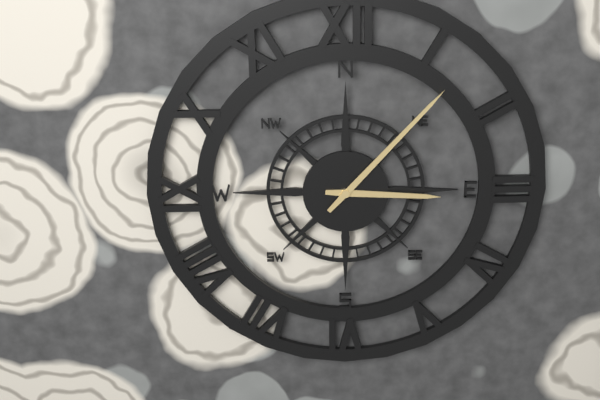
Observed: 3,07
